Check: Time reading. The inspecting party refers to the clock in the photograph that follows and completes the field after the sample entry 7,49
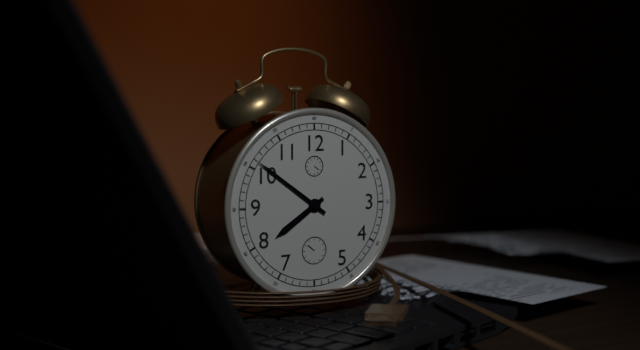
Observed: 7,51
